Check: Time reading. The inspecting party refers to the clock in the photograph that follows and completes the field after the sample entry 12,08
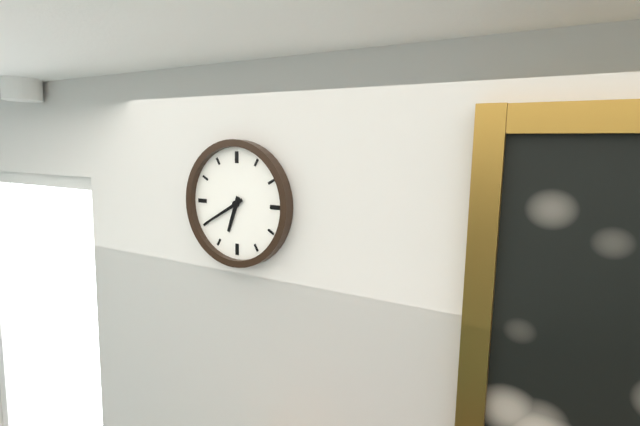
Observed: 6,40
